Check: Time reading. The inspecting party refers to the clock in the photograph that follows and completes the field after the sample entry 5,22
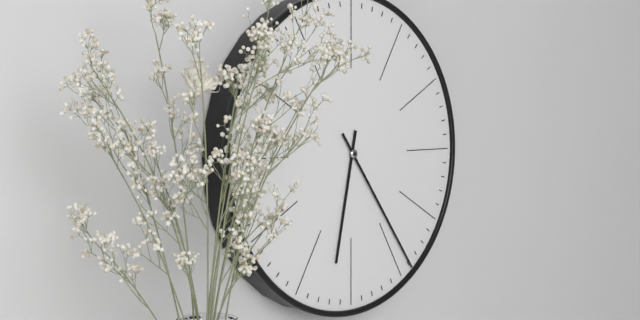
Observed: 6,24
